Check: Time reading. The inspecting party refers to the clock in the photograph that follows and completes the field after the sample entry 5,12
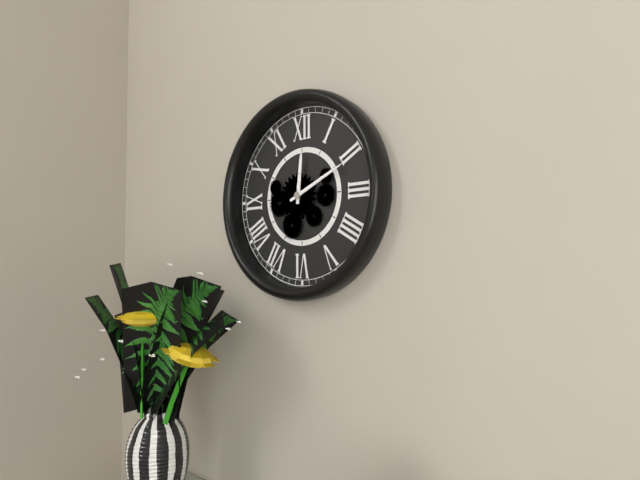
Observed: 12,11
